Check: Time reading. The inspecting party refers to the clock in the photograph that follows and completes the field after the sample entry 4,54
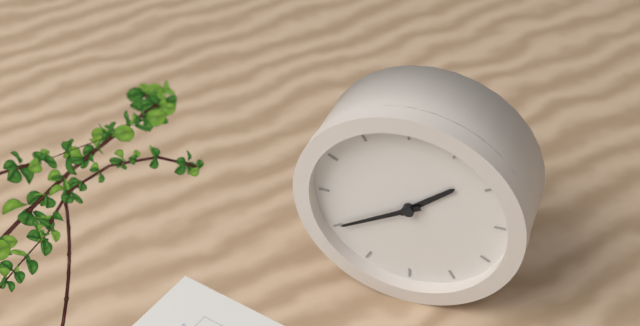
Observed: 1,40
